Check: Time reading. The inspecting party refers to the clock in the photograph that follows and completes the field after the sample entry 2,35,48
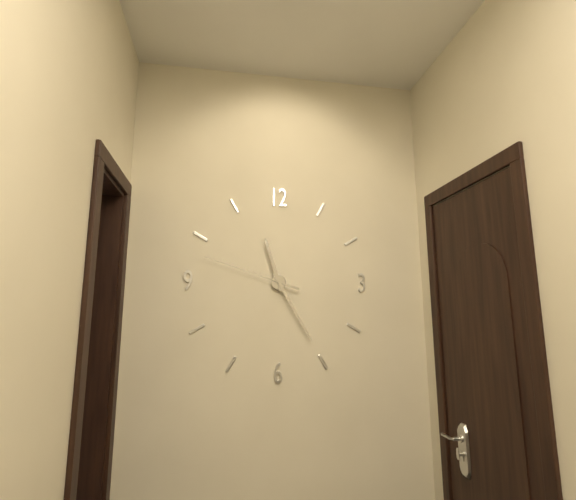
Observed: 11,25,48
